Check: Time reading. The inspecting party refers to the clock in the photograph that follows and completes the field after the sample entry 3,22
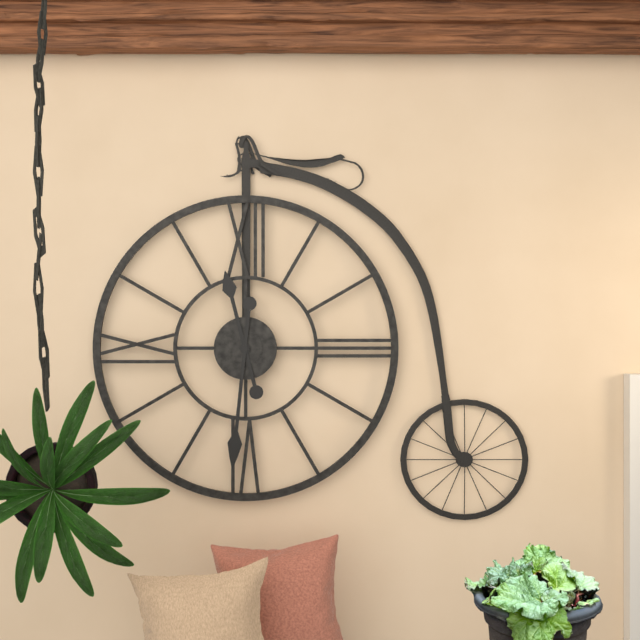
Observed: 11,31
